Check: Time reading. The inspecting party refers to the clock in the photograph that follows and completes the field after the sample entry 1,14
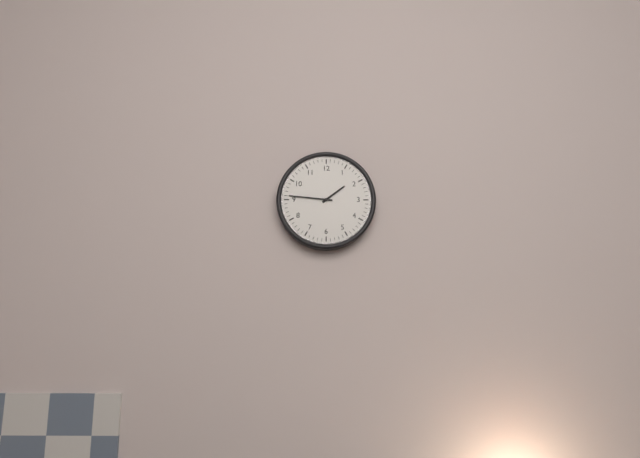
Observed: 1,46
